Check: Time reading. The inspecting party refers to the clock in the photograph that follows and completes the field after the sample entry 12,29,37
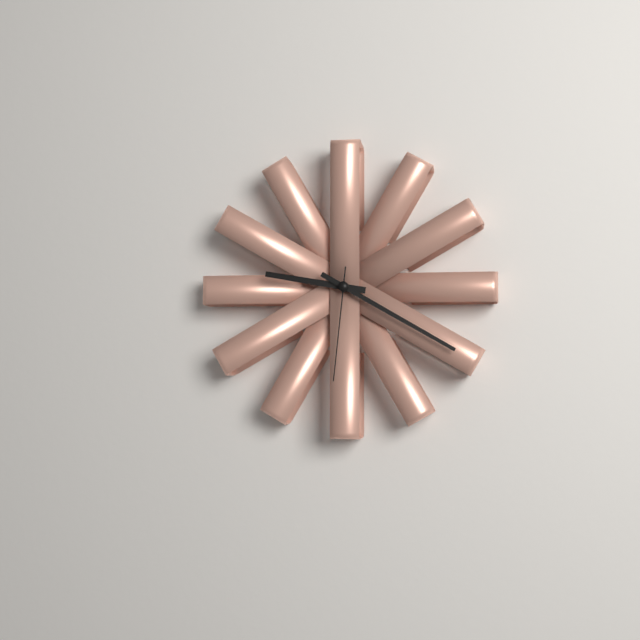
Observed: 9,20,31
